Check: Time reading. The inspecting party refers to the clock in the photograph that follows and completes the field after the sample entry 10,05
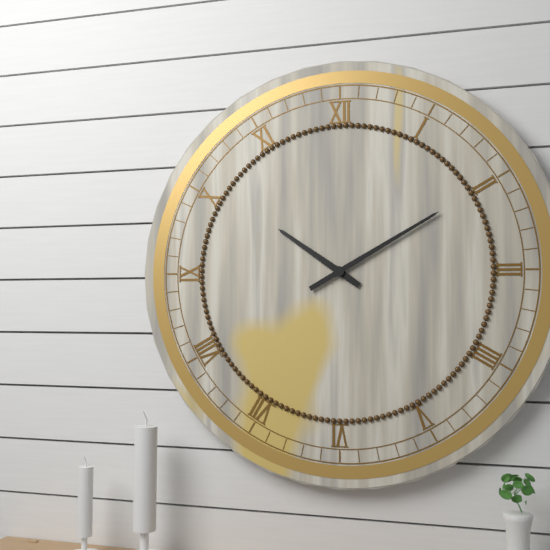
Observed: 10,10
